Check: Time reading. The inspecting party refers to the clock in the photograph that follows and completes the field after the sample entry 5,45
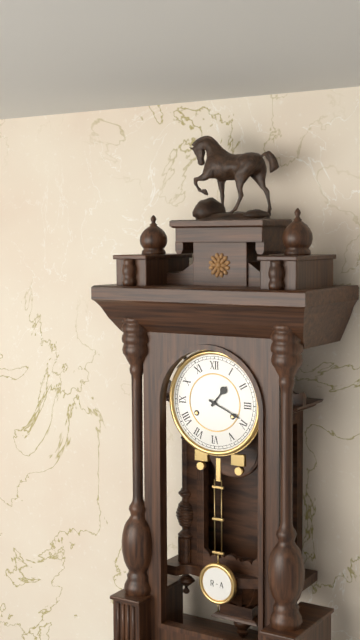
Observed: 1,19
